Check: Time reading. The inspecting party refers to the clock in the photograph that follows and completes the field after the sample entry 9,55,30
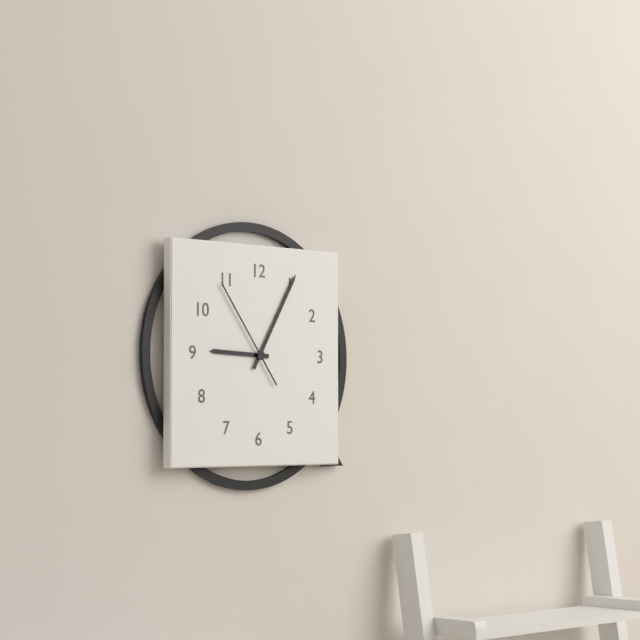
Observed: 9,05,54
